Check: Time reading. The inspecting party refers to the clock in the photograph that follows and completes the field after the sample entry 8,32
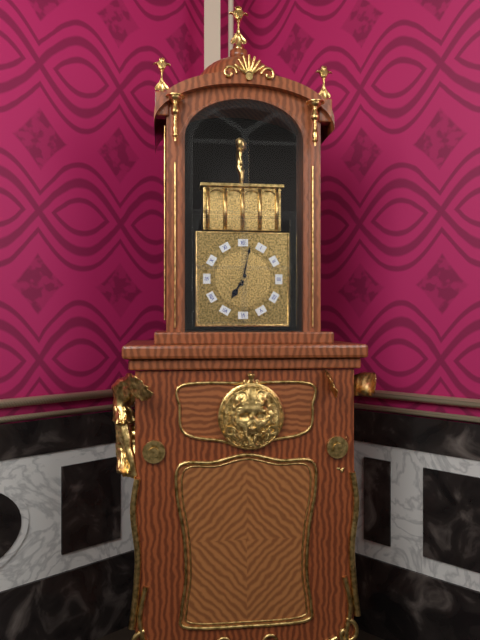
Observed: 7,02
